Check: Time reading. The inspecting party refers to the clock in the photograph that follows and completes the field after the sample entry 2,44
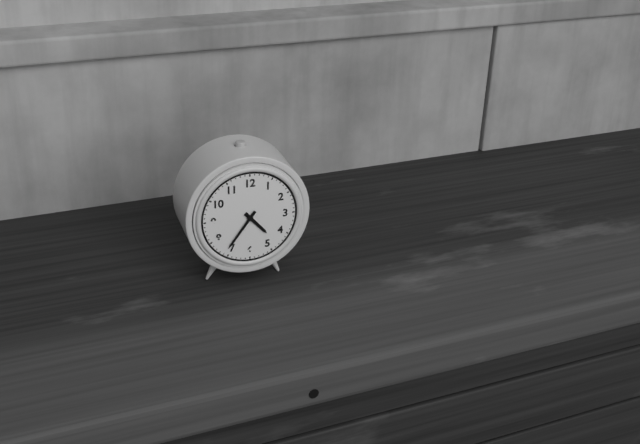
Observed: 4,36
